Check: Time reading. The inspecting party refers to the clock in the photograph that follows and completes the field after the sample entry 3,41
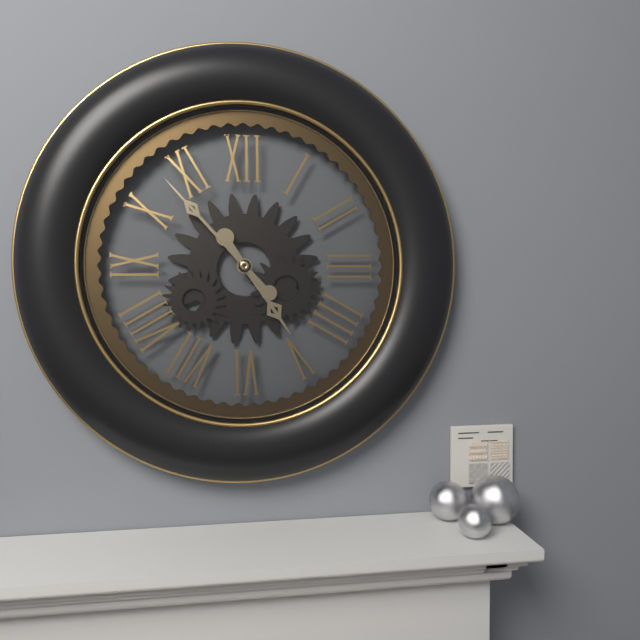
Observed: 4,53
